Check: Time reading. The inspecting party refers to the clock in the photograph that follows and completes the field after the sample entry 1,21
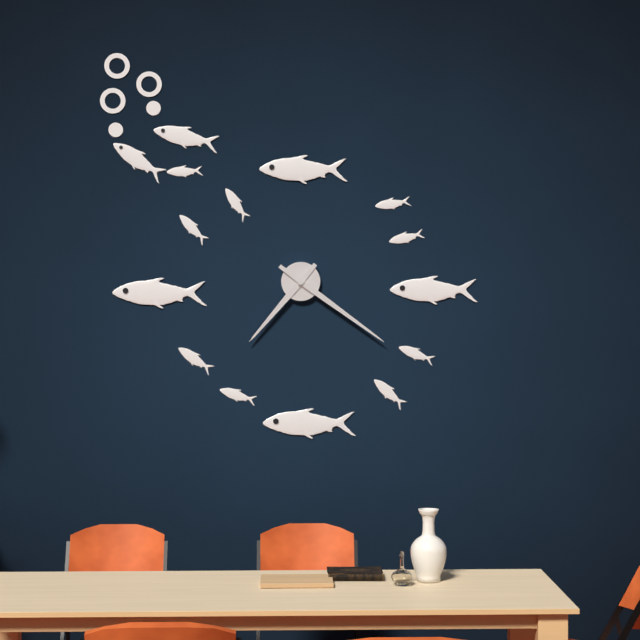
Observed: 7,21
